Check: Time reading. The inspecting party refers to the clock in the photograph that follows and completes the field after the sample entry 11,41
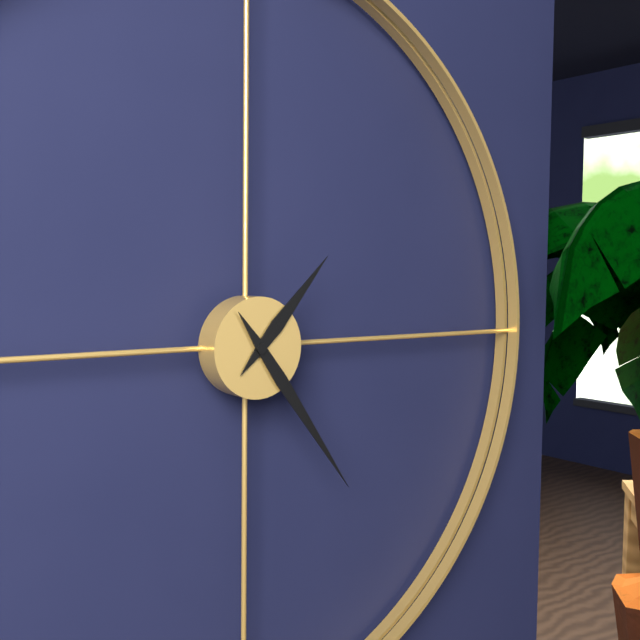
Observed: 1,24
